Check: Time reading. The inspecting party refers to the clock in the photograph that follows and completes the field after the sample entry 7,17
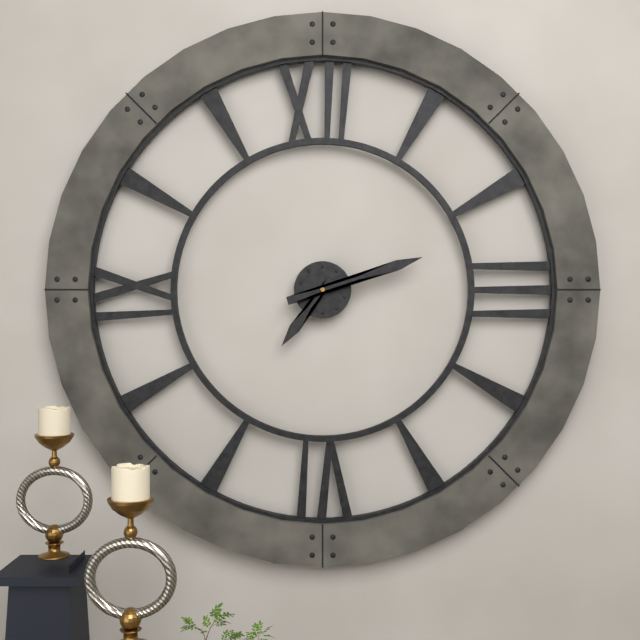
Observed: 7,12
